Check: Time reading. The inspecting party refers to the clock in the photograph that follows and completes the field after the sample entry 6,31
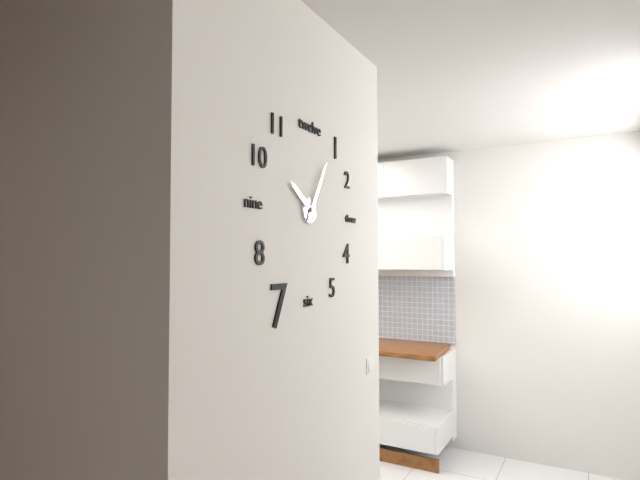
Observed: 10,05
